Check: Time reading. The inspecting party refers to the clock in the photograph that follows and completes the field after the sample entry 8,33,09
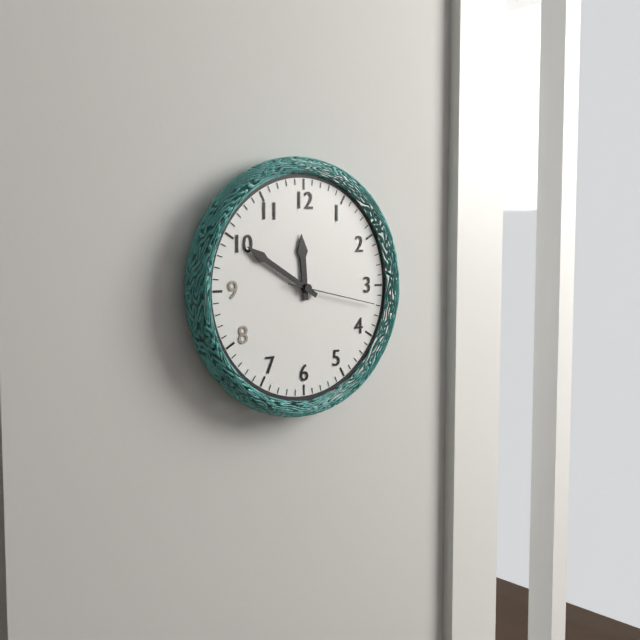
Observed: 11,50,17
